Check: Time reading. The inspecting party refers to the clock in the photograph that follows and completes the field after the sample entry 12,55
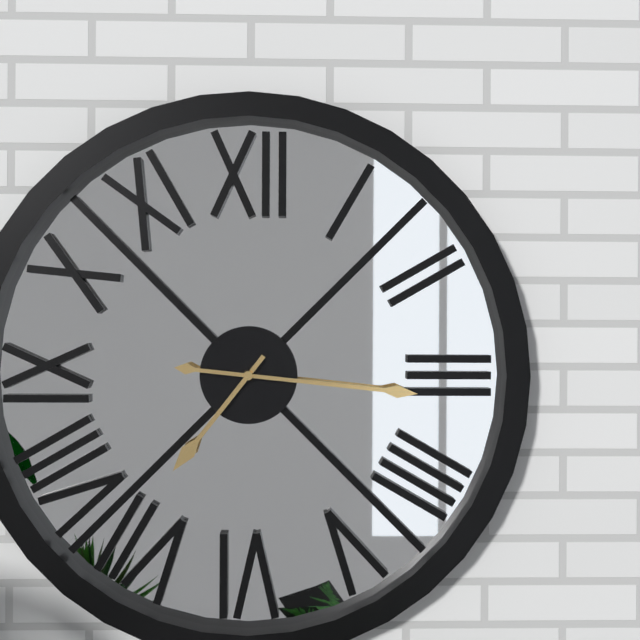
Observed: 7,16
